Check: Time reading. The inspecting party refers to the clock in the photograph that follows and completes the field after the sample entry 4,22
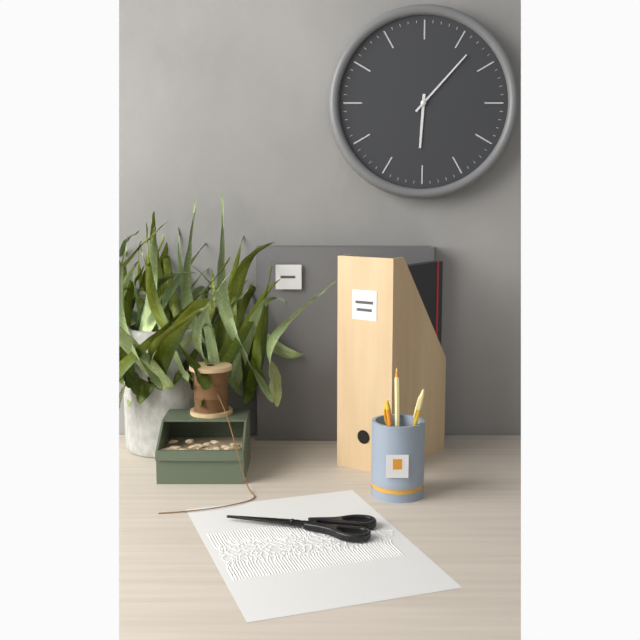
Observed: 6,07
